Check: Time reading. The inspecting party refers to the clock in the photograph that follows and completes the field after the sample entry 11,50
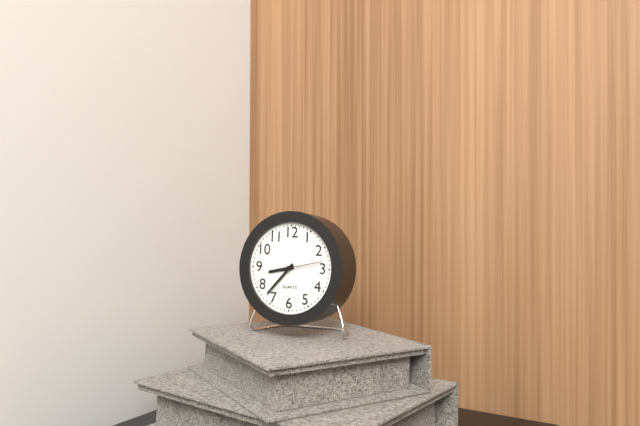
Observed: 8,37
